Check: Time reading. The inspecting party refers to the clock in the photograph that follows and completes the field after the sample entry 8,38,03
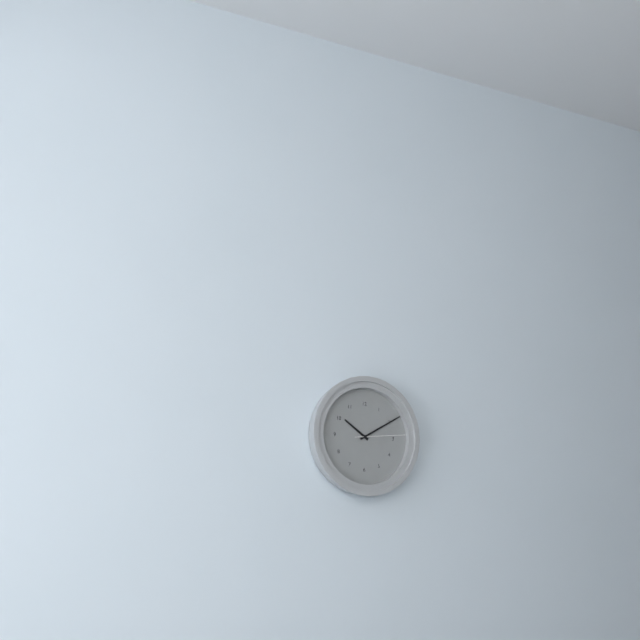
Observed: 10,10,14
